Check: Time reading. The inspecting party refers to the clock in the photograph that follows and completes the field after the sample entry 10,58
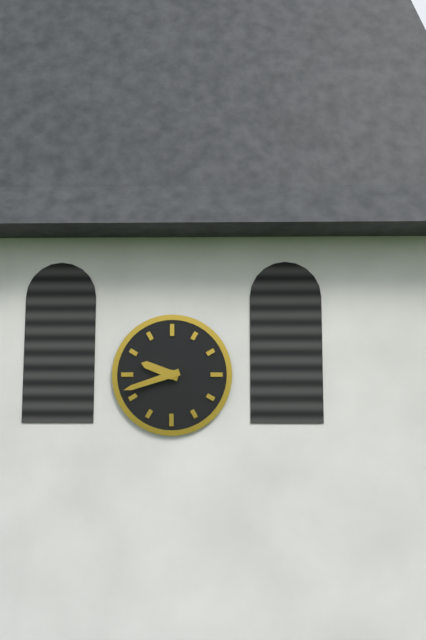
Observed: 9,42
